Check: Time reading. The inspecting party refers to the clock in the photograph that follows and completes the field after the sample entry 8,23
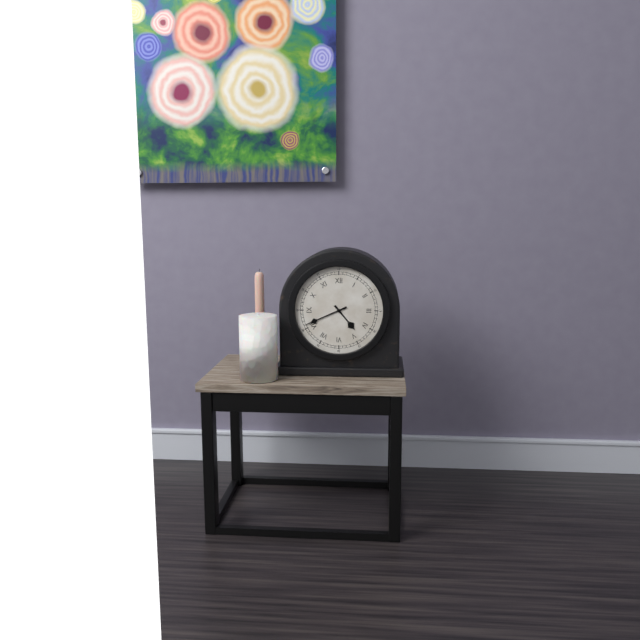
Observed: 4,41
